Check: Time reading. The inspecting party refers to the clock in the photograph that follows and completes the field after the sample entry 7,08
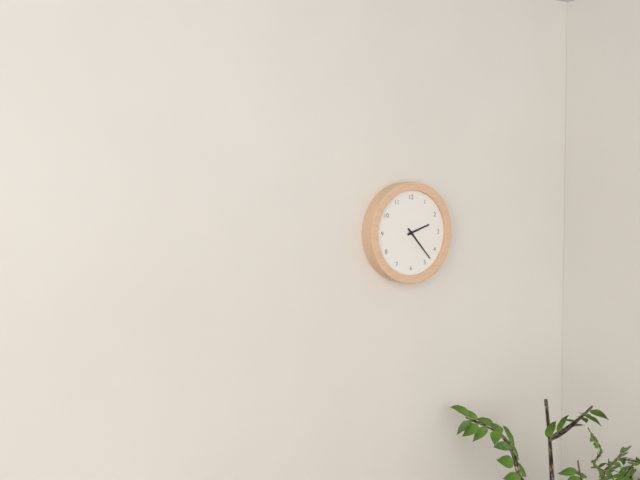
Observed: 2,23
